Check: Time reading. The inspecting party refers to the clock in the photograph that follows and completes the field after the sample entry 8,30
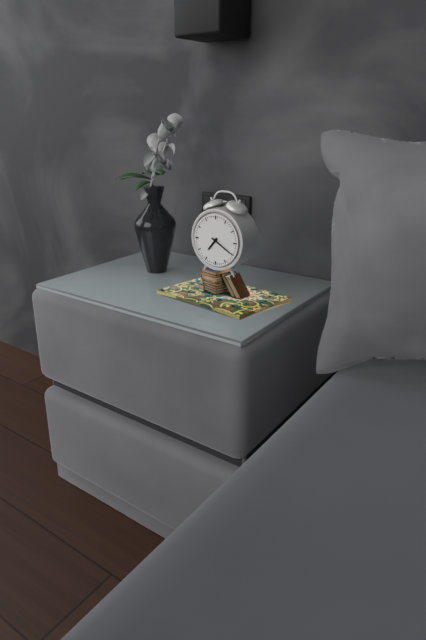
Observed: 7,20
